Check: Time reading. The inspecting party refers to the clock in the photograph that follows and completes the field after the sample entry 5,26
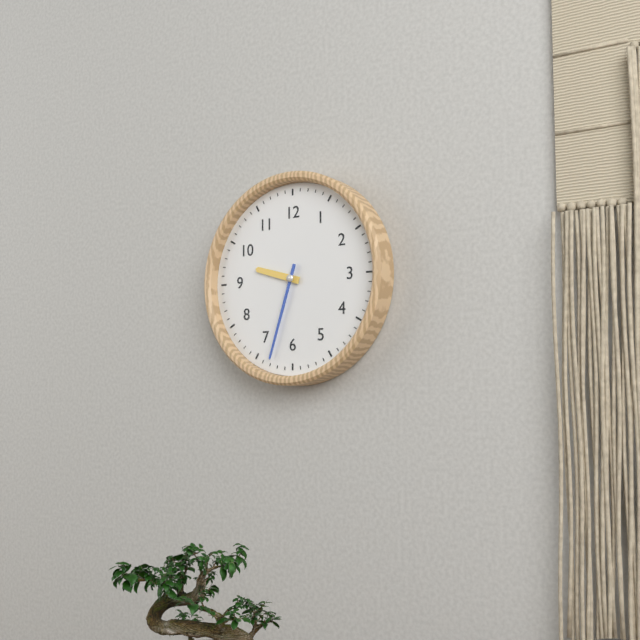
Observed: 9,33
